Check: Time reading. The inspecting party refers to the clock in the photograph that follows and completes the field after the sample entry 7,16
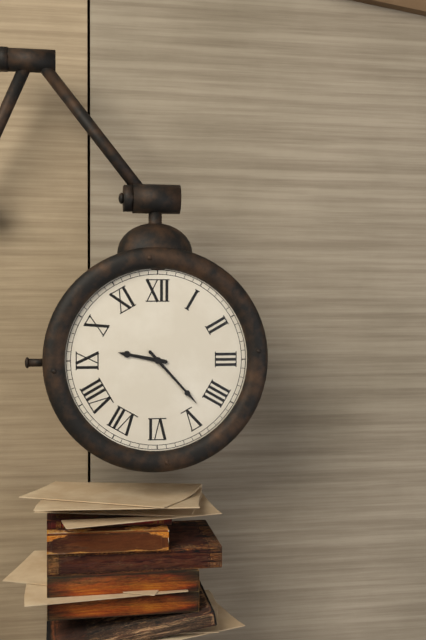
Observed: 9,23
